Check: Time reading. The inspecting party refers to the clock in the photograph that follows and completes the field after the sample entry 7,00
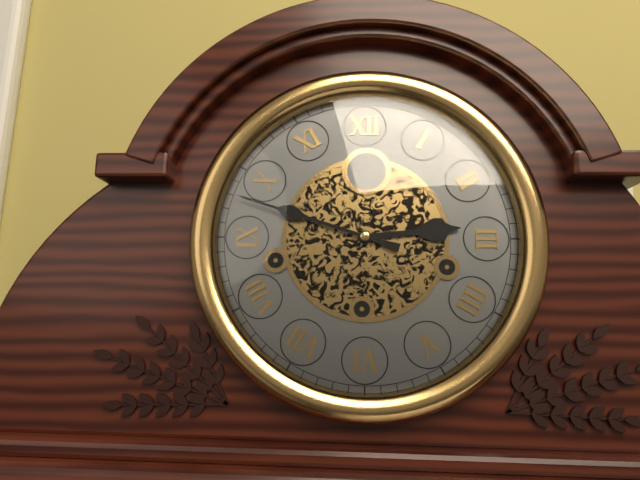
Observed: 2,48
